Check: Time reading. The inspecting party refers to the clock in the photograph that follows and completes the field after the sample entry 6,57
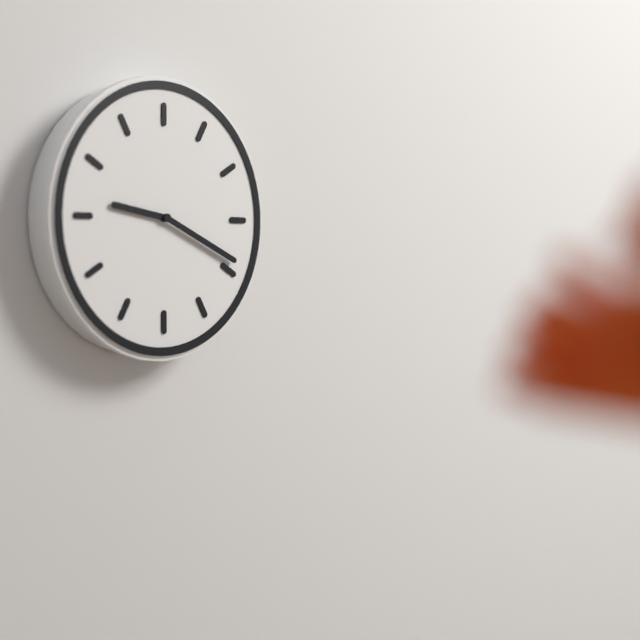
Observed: 9,19
